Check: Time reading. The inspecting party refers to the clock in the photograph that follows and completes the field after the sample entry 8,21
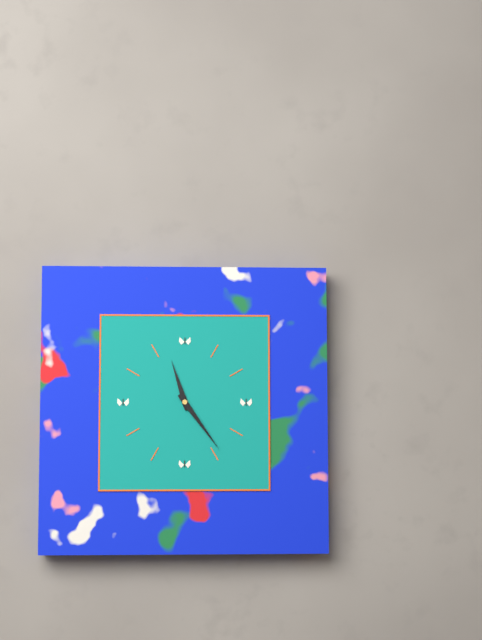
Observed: 11,24
